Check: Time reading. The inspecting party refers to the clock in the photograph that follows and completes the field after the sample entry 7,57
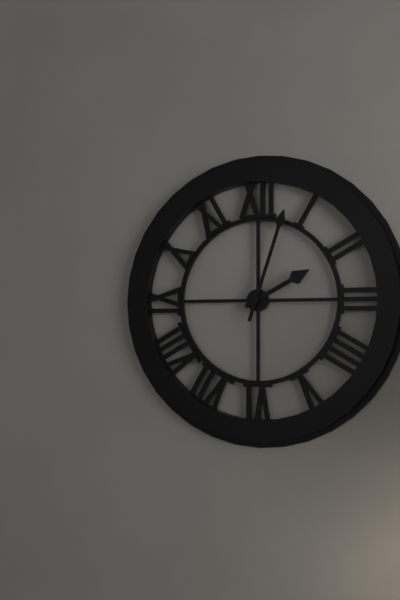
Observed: 2,03
